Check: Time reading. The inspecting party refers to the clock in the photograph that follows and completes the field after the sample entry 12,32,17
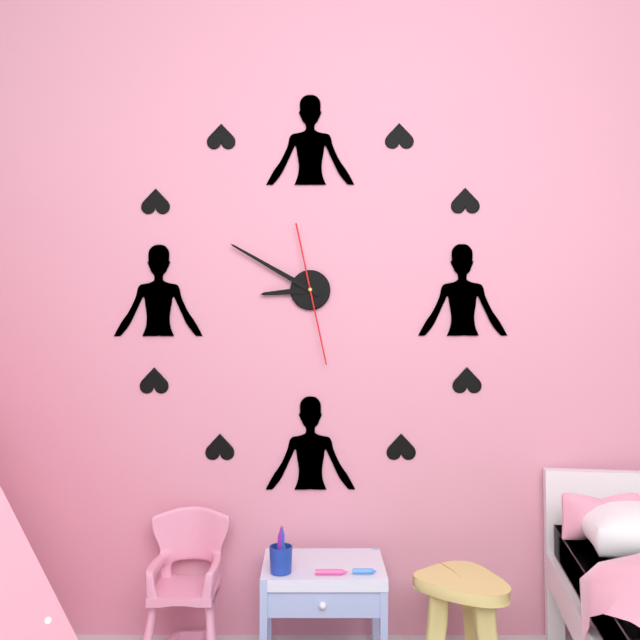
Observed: 8,50,28
